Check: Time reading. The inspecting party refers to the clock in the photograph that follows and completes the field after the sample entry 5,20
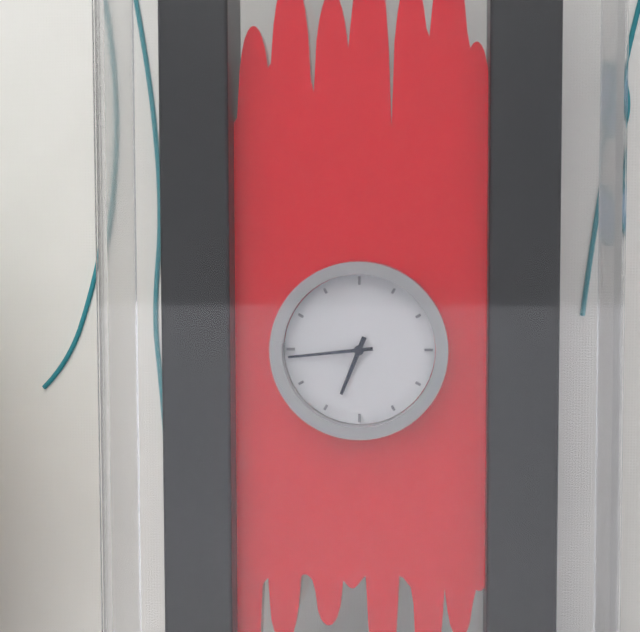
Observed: 6,44
